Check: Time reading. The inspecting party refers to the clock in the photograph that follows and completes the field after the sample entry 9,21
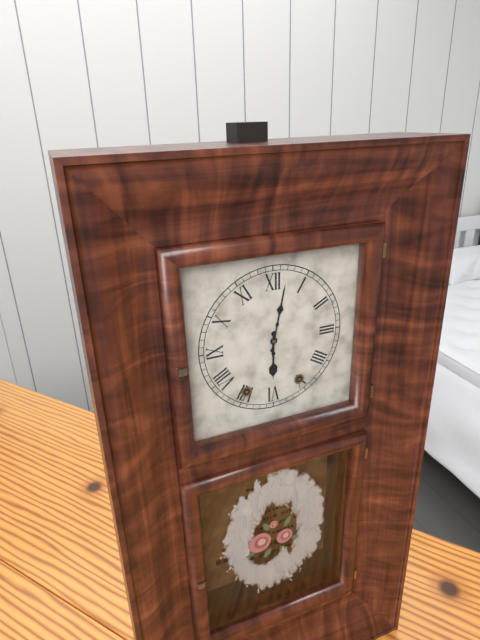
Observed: 6,02
